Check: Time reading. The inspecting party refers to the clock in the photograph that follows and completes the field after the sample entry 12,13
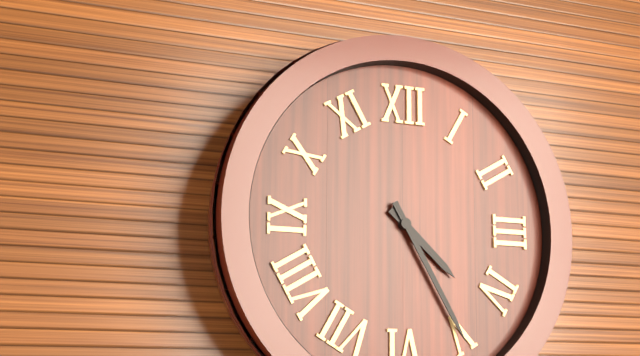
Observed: 4,25
